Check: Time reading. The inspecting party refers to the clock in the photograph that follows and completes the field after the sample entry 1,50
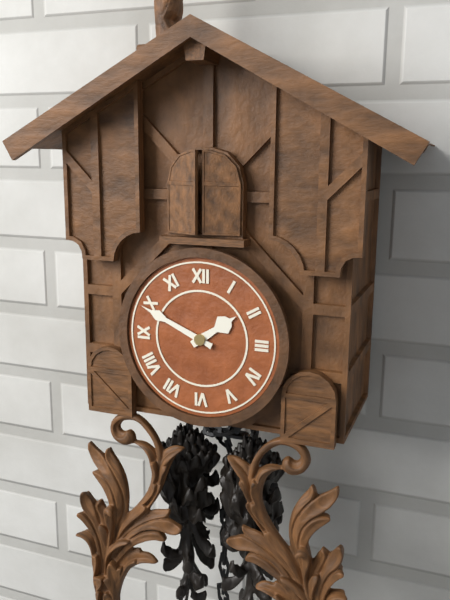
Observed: 1,49
